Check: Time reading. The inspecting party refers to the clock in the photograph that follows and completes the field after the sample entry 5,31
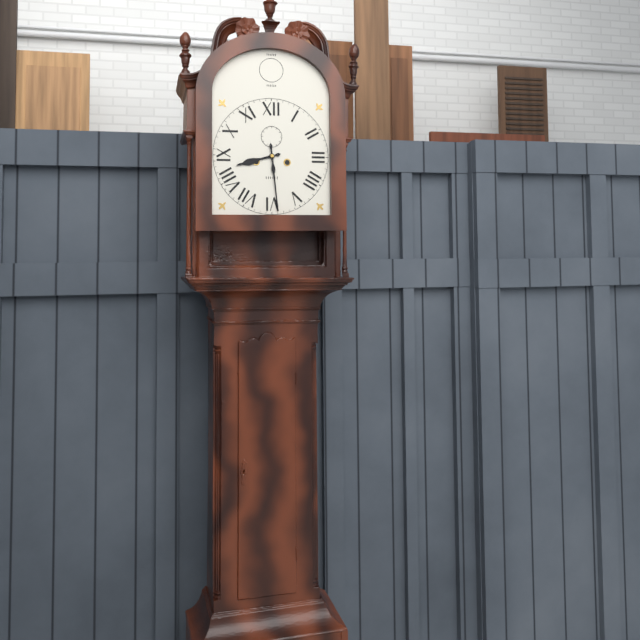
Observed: 8,29
